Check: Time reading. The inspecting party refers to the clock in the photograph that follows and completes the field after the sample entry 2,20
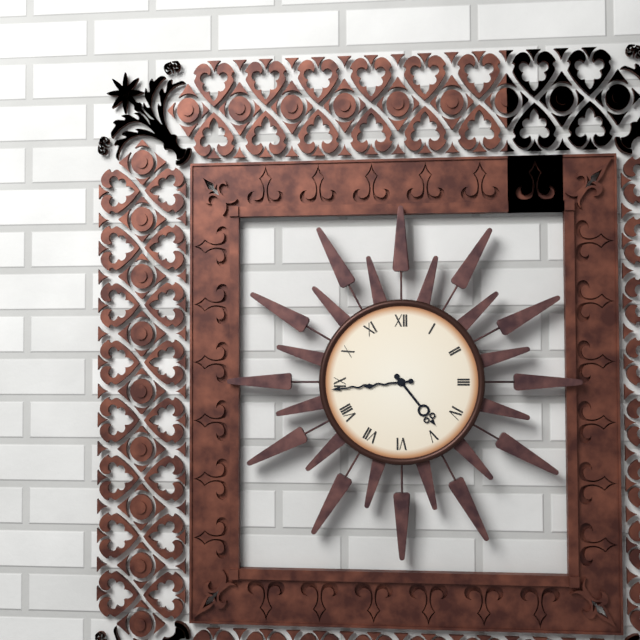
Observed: 4,44
